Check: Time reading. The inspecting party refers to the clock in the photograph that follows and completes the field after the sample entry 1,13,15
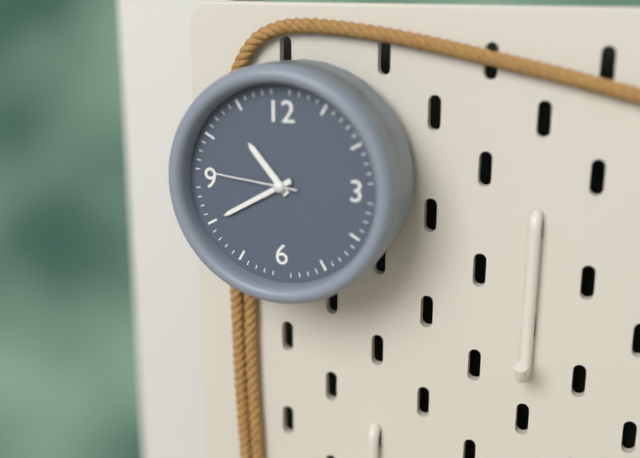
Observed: 10,40,46
